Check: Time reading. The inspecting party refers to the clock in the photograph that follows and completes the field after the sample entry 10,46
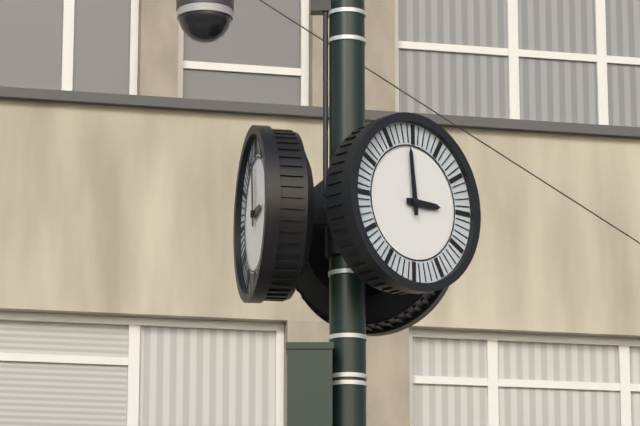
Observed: 2,59
